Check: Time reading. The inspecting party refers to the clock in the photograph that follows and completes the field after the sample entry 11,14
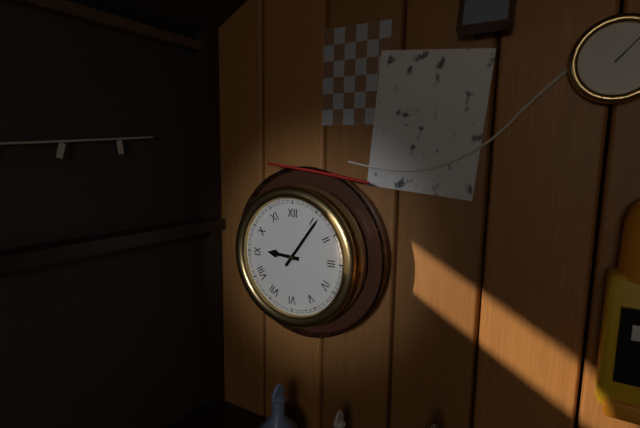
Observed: 9,06
